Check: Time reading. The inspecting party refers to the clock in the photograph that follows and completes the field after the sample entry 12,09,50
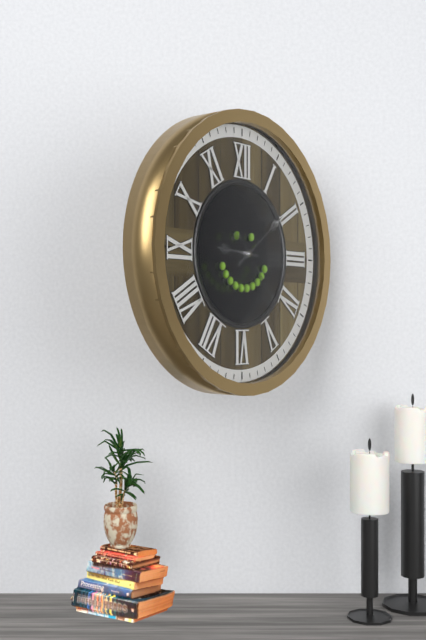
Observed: 9,09,23
